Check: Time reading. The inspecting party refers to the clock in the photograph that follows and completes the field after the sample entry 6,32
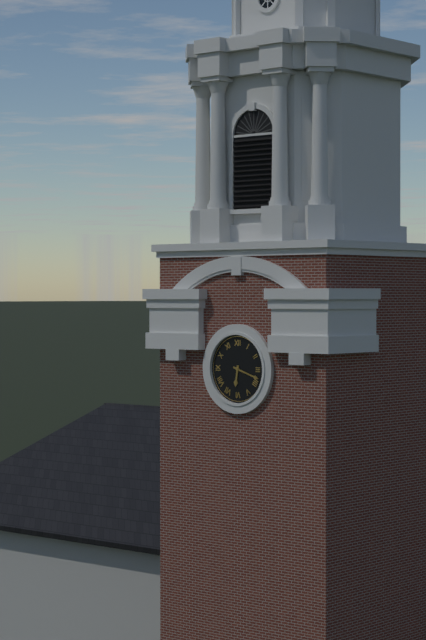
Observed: 6,18
